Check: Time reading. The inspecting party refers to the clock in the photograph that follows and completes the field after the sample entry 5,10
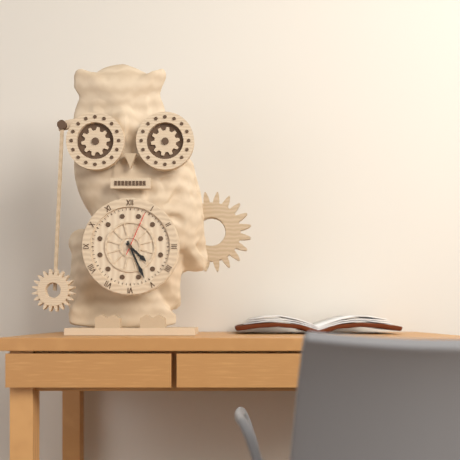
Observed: 4,26
